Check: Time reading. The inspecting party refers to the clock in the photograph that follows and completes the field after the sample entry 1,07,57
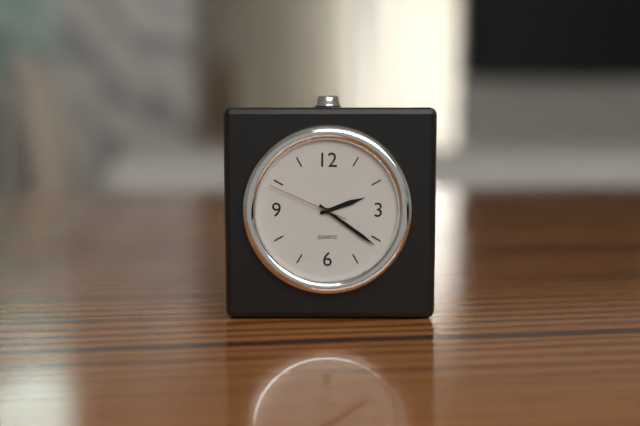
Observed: 2,21,49
